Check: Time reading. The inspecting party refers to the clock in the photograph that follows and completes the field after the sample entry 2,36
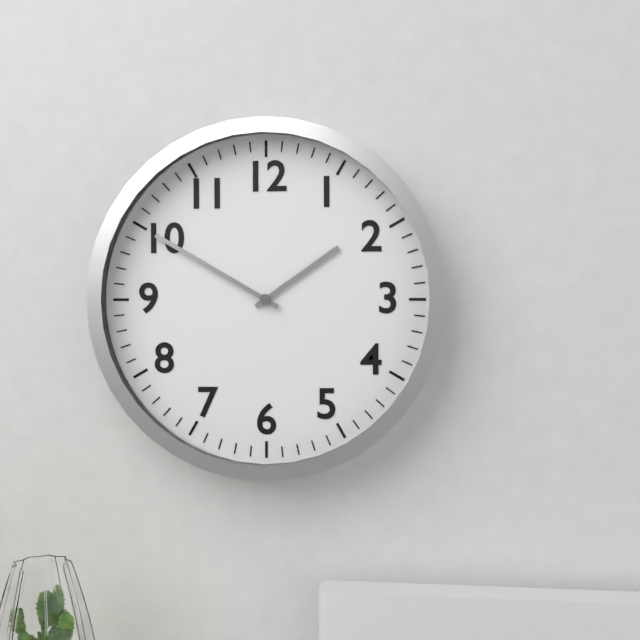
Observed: 1,50
